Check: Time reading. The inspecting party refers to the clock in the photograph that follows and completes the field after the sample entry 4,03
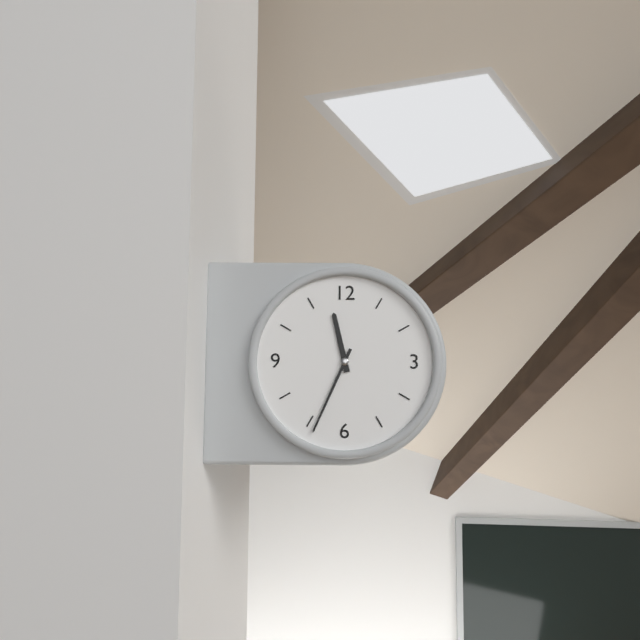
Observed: 11,34
